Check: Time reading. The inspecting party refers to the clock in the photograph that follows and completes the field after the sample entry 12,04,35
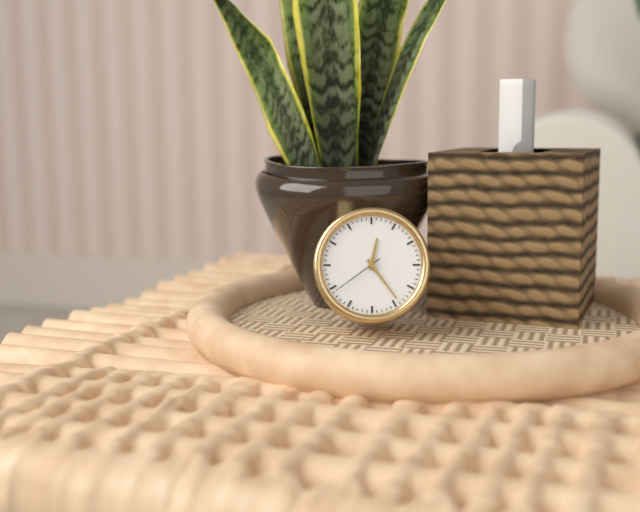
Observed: 12,24,39
